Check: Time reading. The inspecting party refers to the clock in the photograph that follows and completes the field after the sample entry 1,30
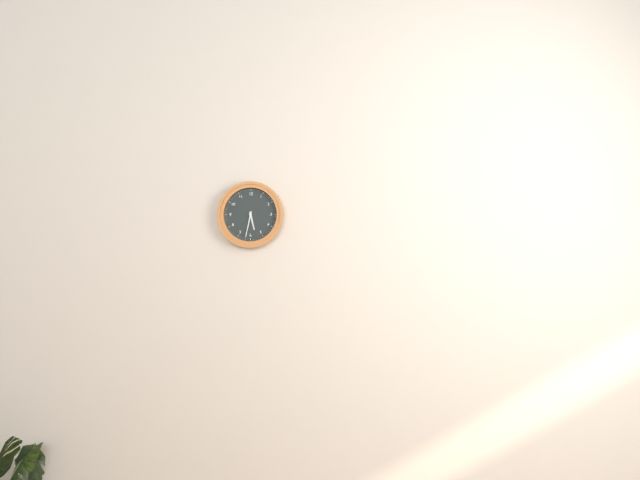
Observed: 5,32
